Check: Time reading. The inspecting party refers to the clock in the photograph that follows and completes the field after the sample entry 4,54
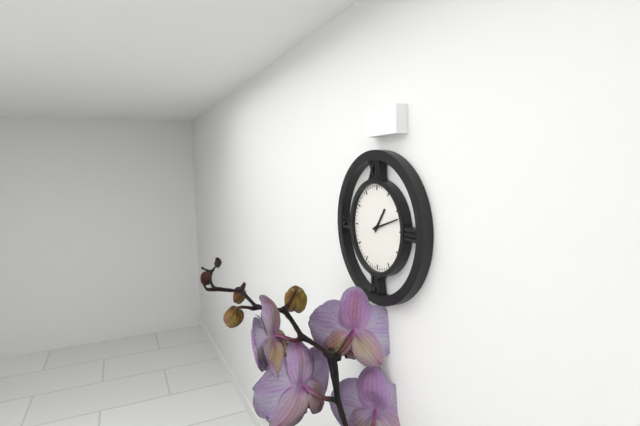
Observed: 1,12
